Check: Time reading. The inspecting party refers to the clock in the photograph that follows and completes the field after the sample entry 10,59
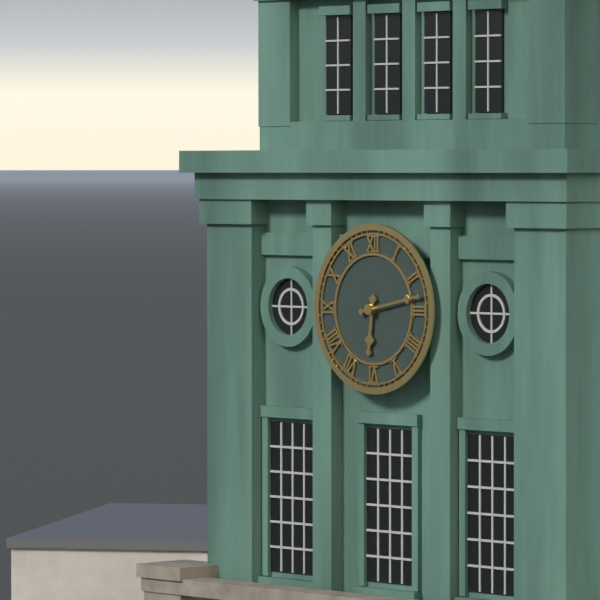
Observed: 6,13
